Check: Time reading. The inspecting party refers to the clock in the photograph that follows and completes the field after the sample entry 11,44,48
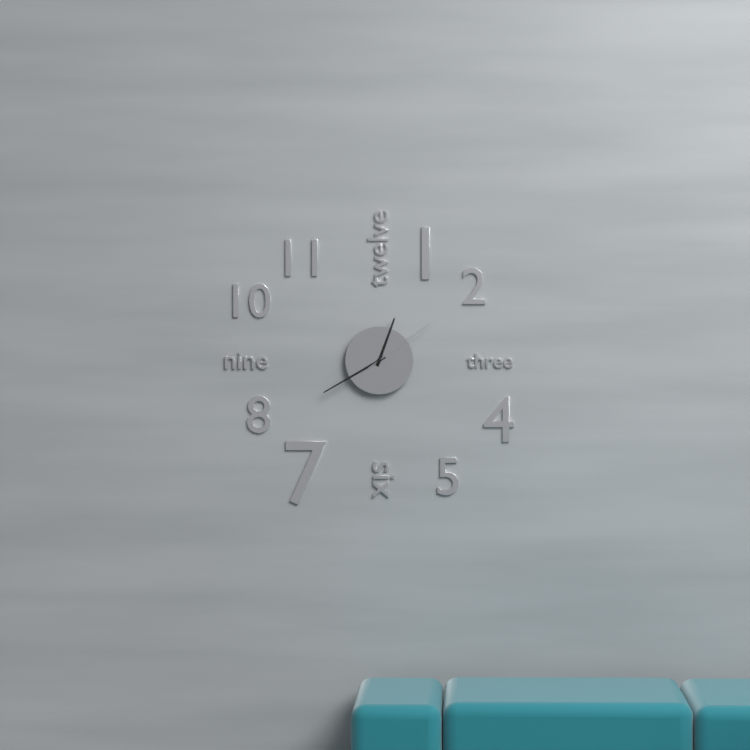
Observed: 12,40,09
